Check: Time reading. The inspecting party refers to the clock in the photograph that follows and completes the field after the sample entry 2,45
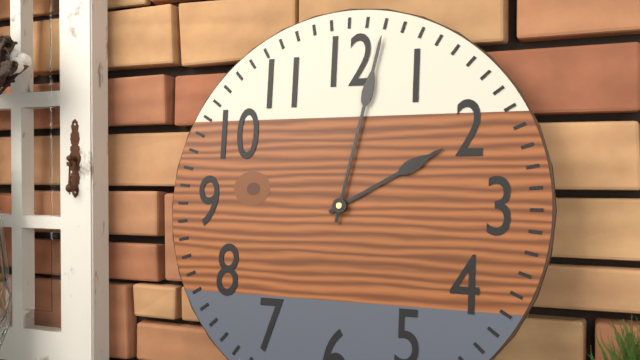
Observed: 2,02
